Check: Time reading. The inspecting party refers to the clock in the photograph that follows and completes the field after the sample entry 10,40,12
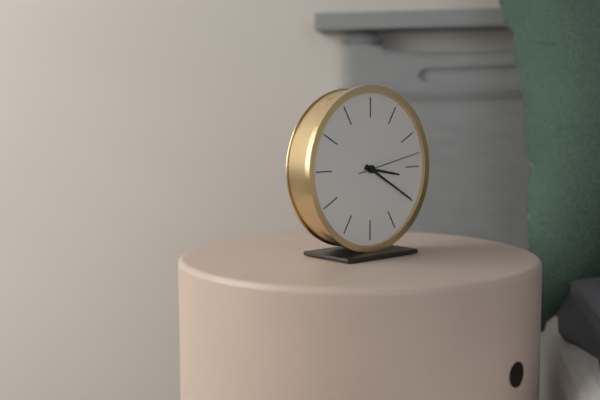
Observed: 3,20,13
